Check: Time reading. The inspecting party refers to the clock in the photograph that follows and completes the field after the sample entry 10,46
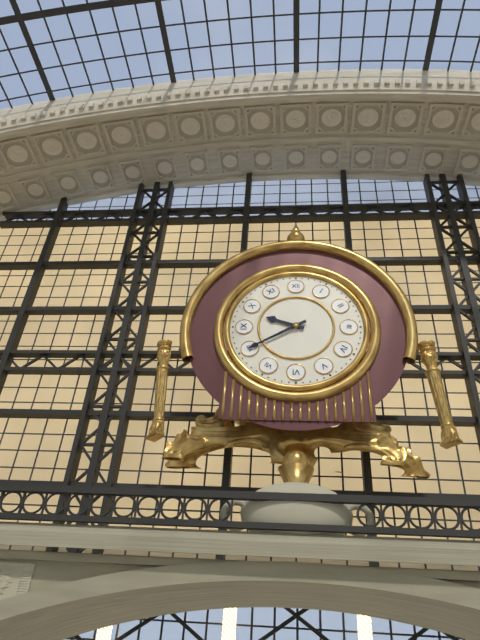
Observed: 9,40
